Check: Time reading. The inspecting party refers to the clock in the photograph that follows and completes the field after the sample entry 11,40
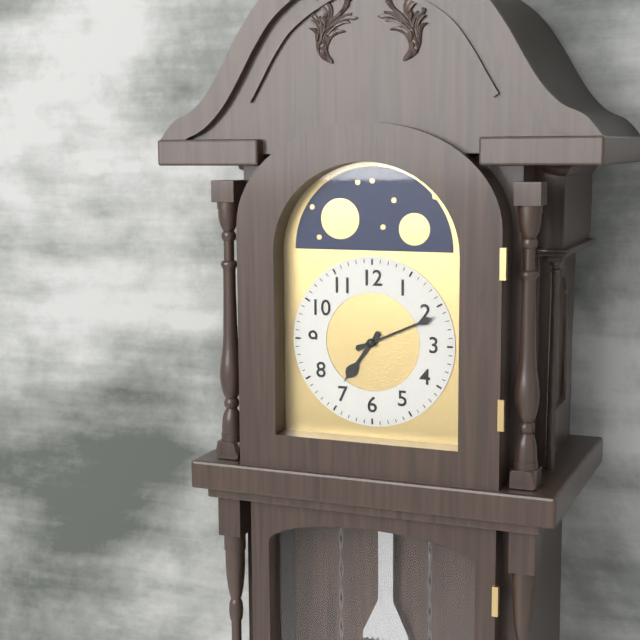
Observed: 7,11
